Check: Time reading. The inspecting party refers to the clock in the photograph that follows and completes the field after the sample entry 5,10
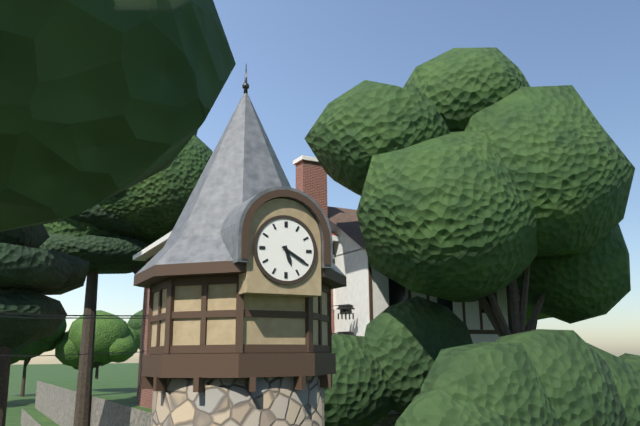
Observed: 5,20
